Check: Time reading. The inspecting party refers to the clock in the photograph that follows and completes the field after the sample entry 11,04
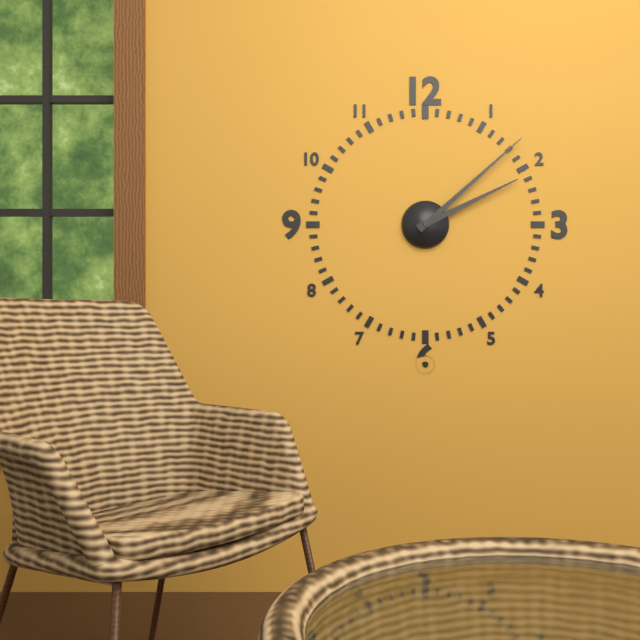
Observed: 2,08
